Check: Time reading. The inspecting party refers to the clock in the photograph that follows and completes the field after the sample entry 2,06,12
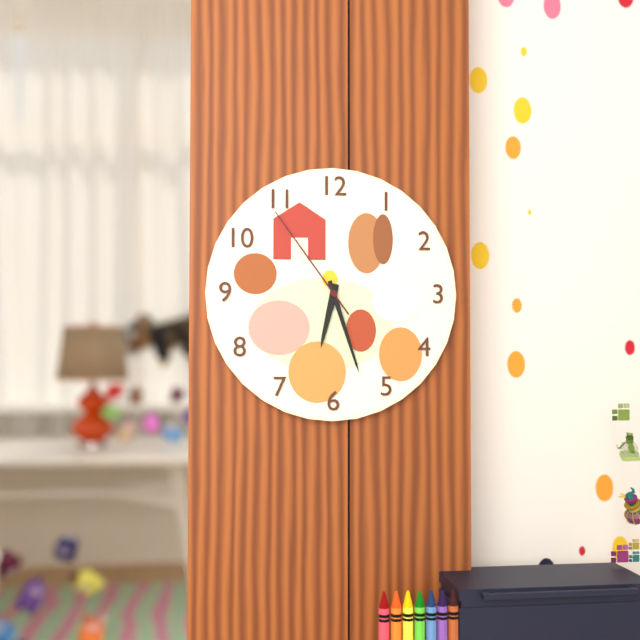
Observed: 6,27,54
